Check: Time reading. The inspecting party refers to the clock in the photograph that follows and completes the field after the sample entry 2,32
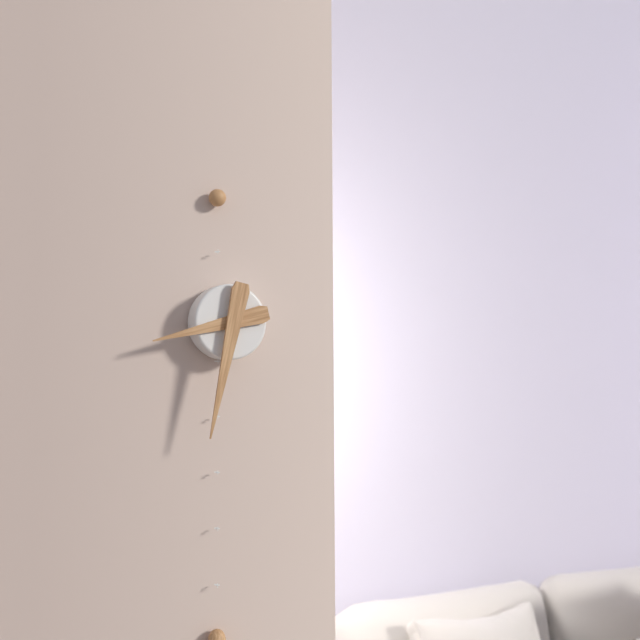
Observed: 8,32
